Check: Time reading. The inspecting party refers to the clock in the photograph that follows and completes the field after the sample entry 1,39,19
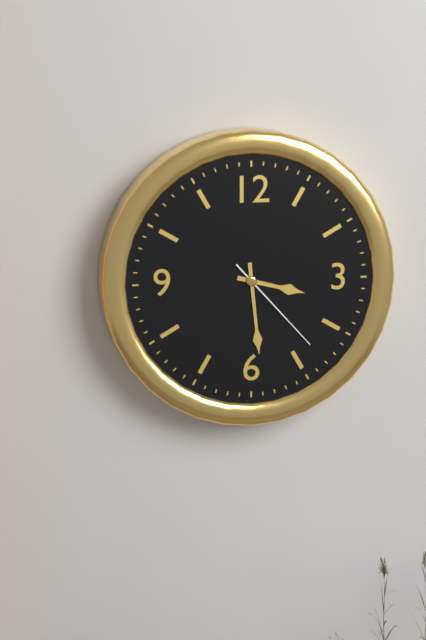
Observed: 3,29,23
